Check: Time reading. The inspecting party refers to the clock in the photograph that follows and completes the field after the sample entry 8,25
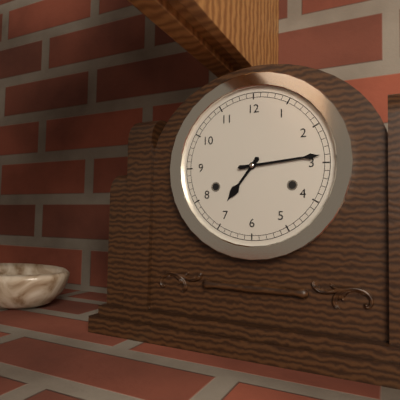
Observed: 7,14
